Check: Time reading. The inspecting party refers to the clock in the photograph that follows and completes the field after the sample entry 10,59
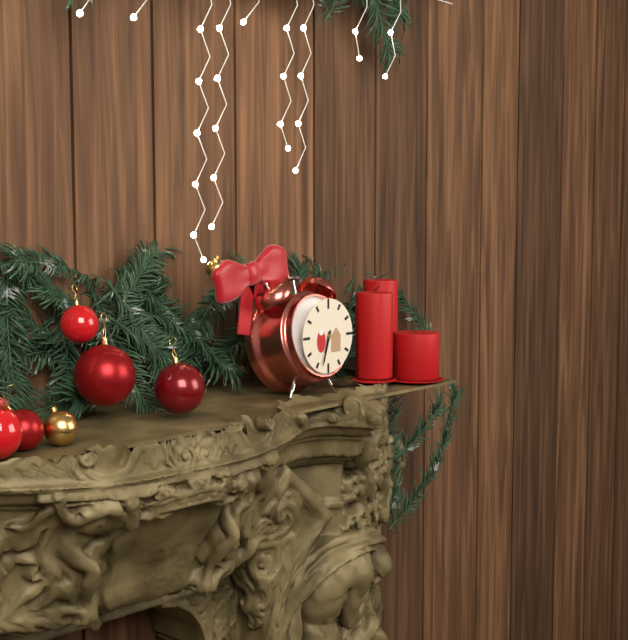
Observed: 6,33
